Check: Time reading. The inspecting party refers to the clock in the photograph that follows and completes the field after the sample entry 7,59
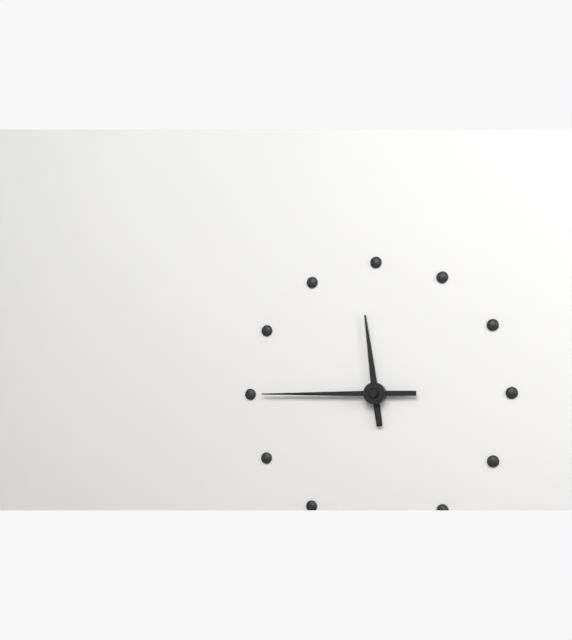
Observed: 11,45
